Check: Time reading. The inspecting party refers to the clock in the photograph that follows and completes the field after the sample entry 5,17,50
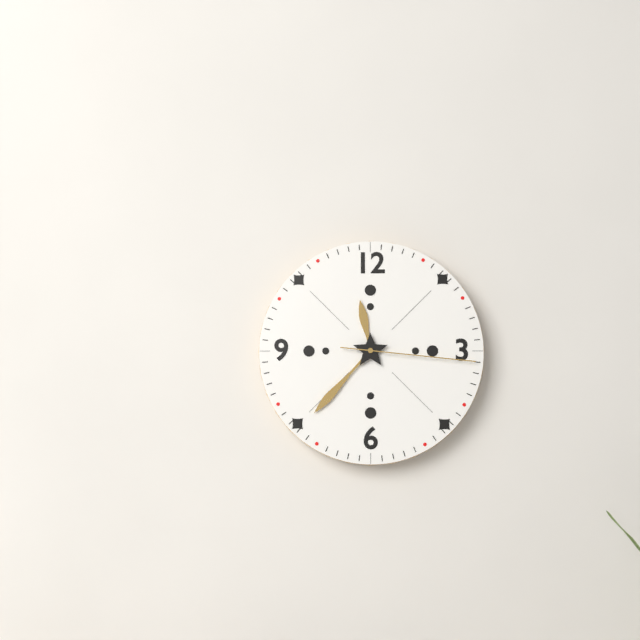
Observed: 11,37,16
